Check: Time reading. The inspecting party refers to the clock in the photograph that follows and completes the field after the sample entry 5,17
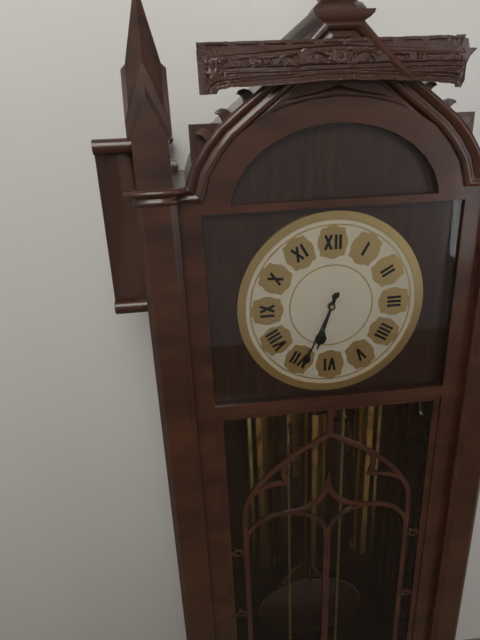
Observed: 6,34
